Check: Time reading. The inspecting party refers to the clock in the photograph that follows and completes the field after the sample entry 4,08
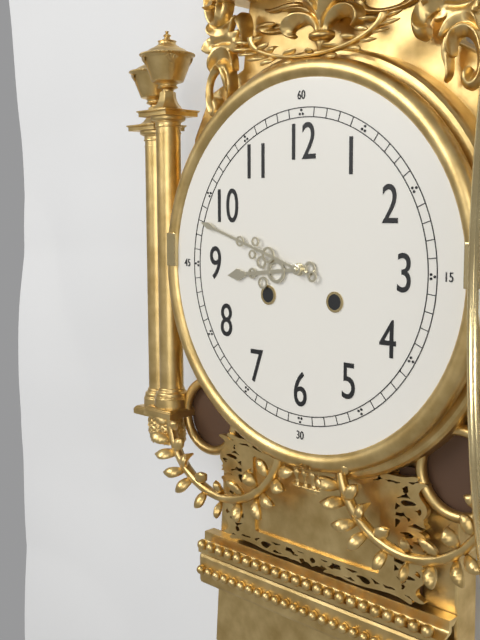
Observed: 8,48
